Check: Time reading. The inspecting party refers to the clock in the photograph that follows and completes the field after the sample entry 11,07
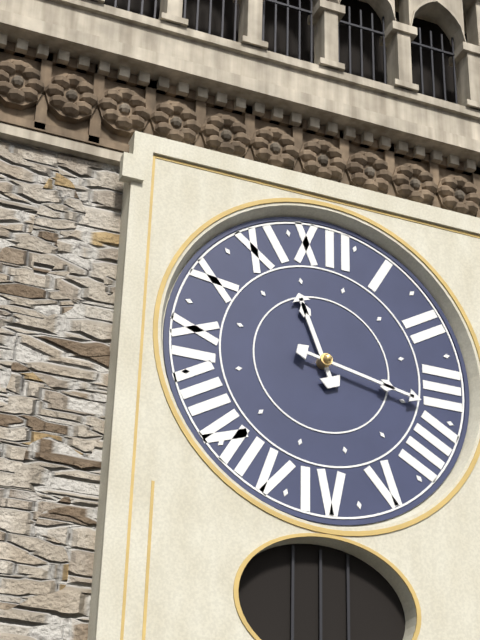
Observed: 11,17
